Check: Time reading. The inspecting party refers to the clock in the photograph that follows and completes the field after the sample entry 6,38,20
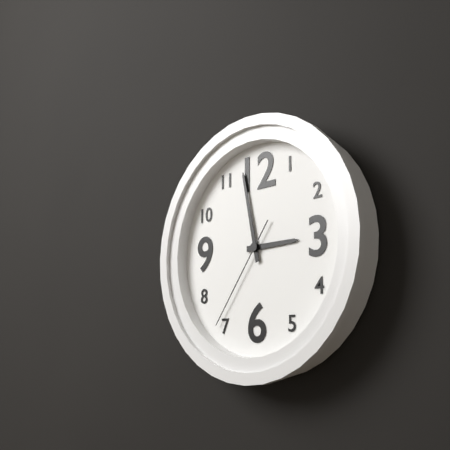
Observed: 2,58,36
